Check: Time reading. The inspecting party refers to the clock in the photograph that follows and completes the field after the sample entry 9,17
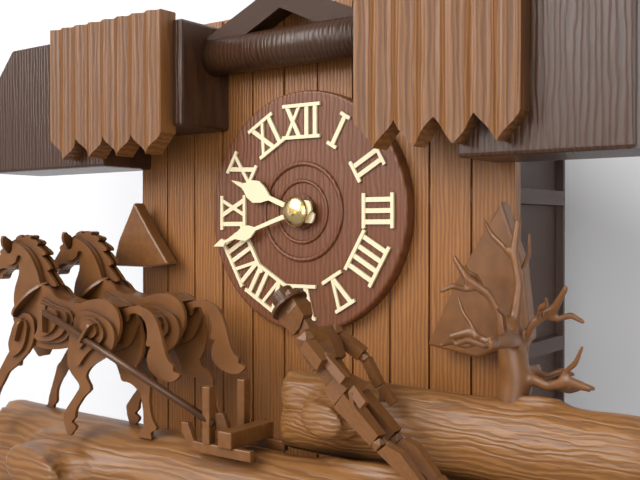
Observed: 9,42
